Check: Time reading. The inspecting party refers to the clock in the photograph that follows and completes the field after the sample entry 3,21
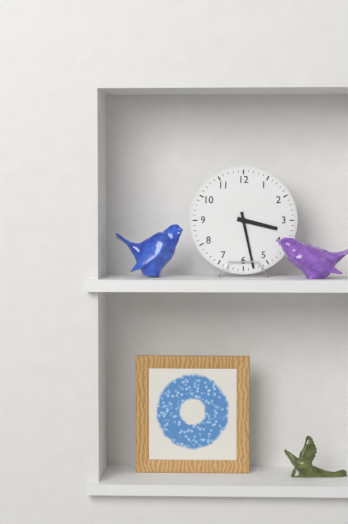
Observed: 3,28
